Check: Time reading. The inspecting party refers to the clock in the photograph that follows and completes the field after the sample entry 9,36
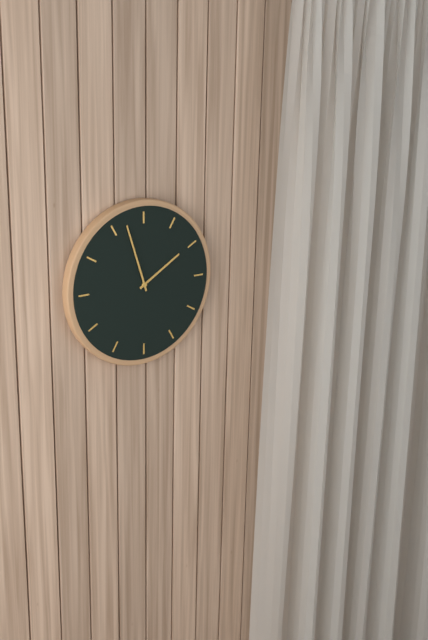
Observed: 1,57
